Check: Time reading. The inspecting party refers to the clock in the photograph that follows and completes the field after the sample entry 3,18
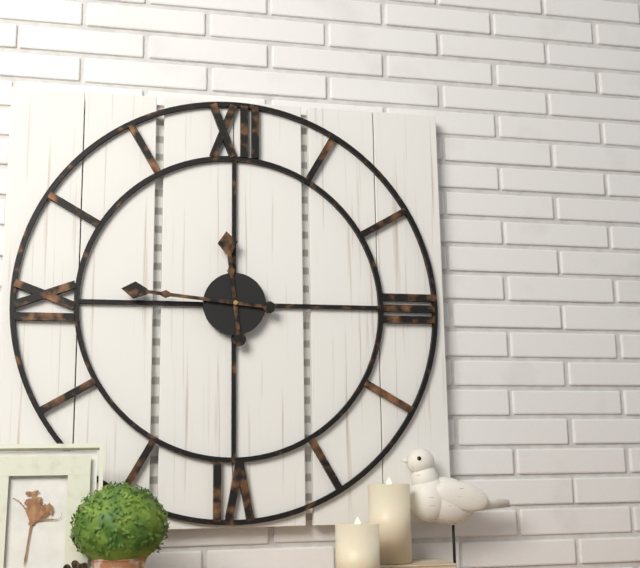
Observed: 11,46
